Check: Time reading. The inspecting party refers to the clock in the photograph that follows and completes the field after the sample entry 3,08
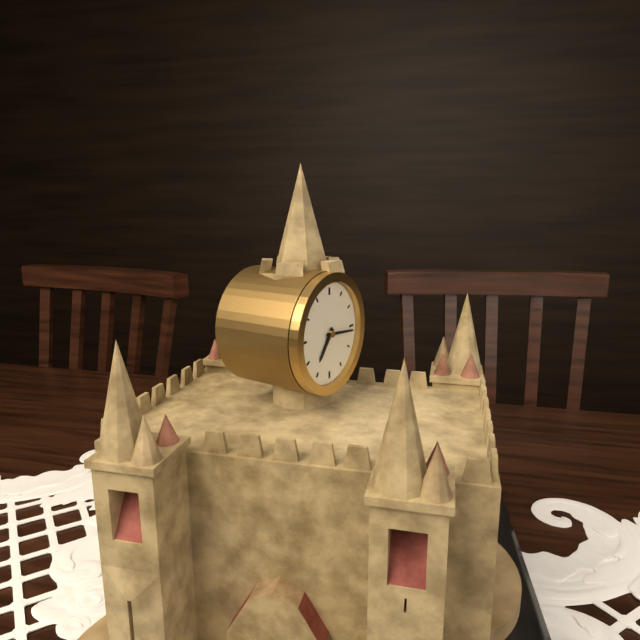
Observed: 7,16
